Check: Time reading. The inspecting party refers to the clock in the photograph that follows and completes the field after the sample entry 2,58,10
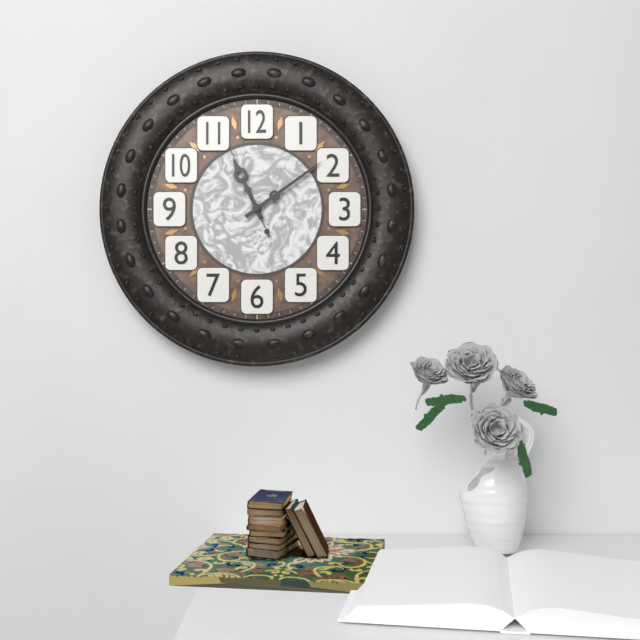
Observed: 11,09,56
